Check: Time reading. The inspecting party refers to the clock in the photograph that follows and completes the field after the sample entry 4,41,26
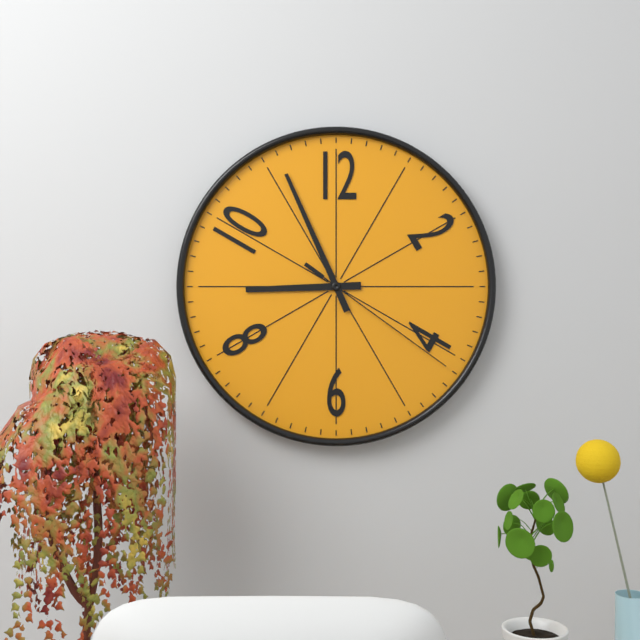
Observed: 8,56,21
